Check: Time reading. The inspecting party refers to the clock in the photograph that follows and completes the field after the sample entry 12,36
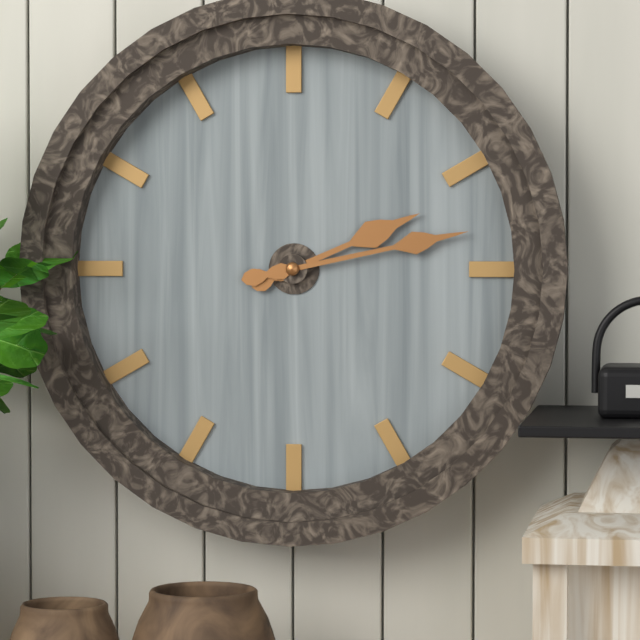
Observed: 2,13
